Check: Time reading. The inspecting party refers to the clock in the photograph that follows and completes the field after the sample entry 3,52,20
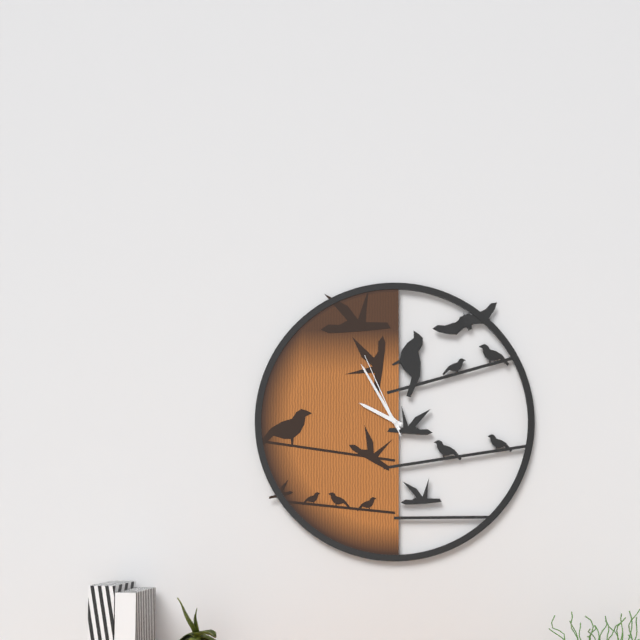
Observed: 9,55,56
